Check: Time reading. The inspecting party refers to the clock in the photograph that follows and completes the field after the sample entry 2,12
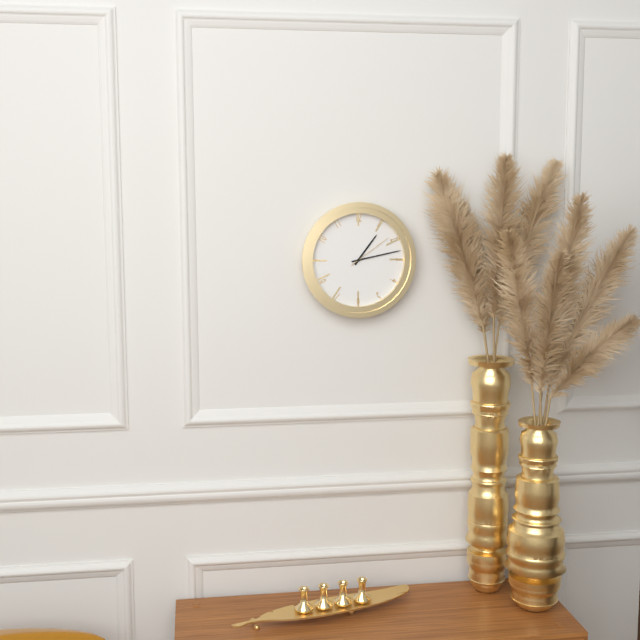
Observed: 1,13
